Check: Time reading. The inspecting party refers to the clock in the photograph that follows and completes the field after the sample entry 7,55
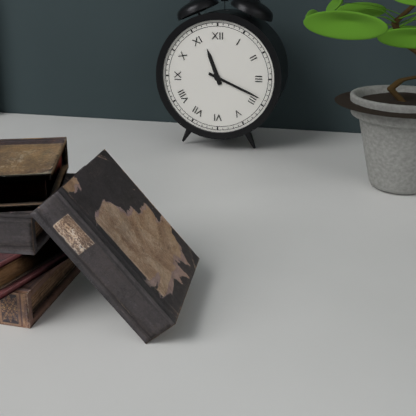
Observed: 11,19
